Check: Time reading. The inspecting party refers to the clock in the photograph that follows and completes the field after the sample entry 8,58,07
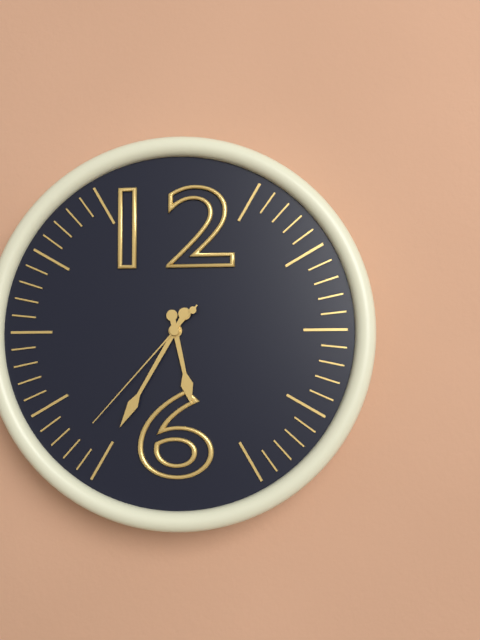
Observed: 5,35,37
